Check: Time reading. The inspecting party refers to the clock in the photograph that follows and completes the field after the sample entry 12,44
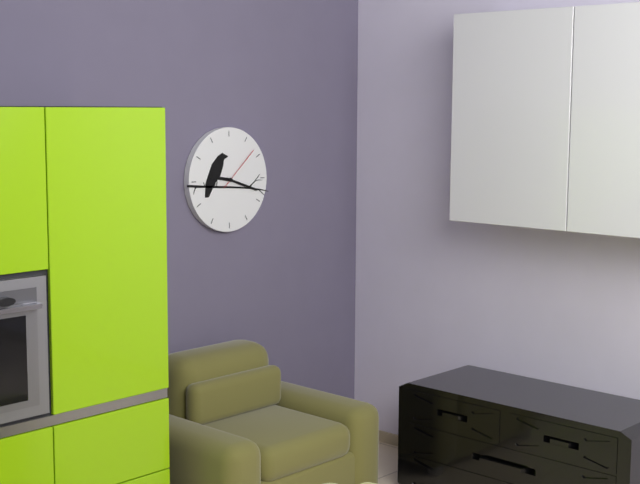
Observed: 9,18
